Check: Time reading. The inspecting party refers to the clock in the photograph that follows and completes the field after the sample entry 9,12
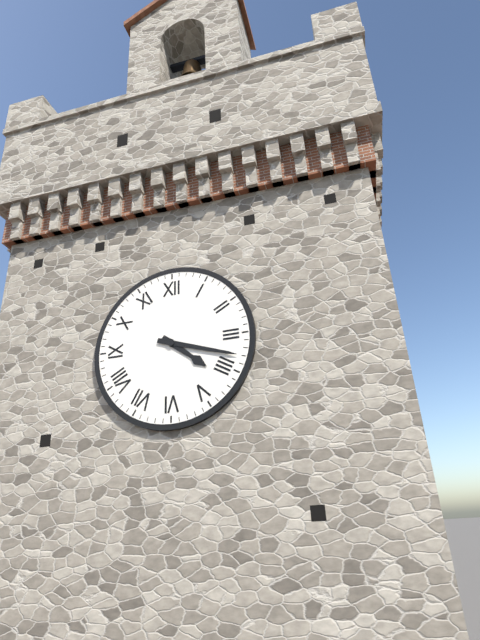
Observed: 4,18
